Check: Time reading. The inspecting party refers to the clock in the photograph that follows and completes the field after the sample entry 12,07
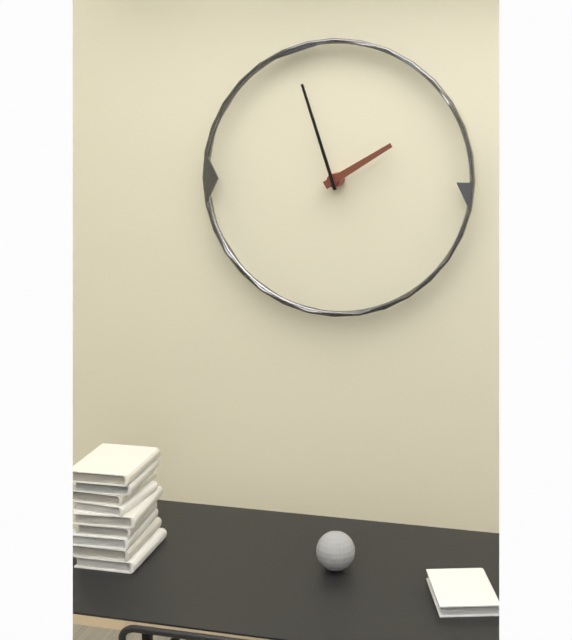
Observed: 1,57
